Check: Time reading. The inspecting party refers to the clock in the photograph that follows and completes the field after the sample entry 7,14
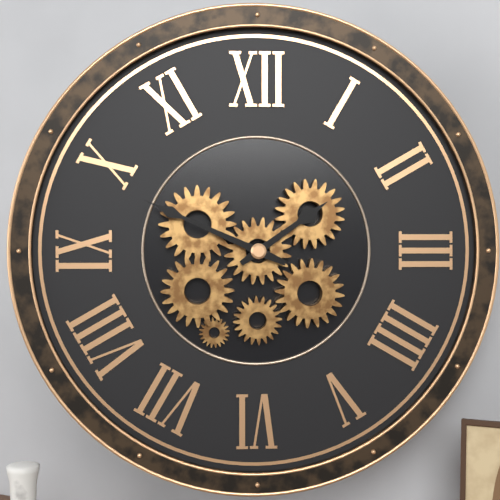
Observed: 1,49
